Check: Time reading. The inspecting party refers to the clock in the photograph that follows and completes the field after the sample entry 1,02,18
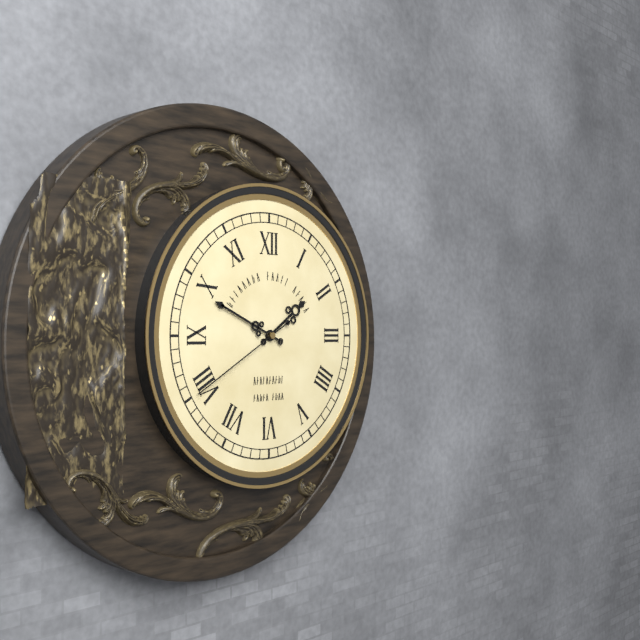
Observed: 1,49,40
